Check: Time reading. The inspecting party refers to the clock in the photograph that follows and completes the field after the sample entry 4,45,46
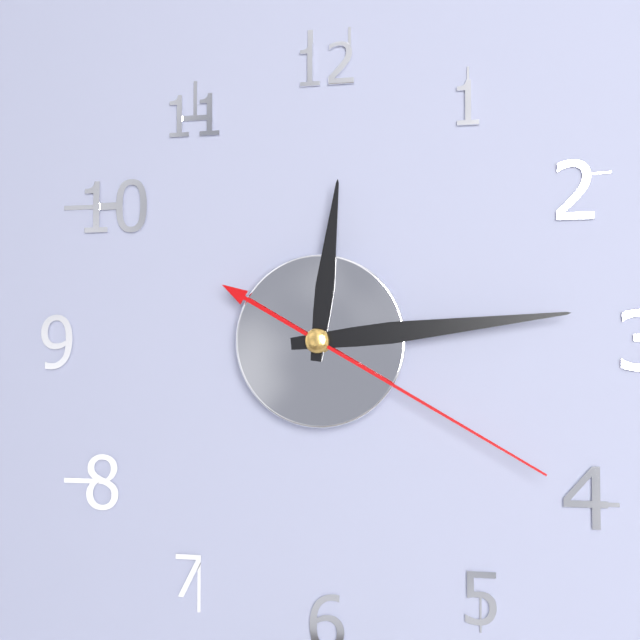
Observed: 12,14,20
